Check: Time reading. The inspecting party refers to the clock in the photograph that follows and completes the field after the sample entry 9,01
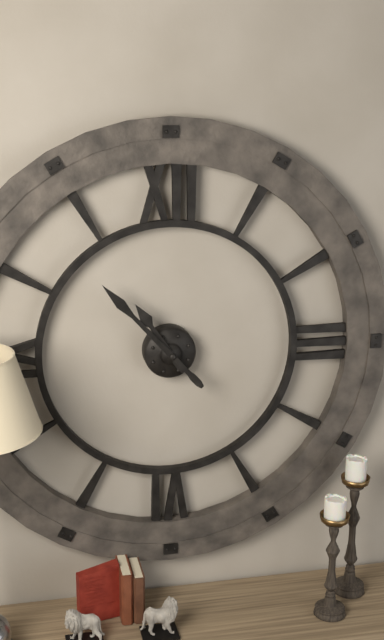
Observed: 10,53
